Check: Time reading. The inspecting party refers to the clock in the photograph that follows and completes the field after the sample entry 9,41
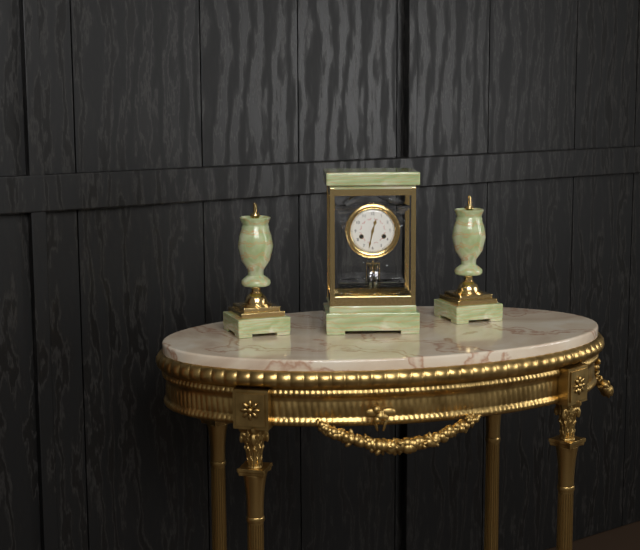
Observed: 12,32
